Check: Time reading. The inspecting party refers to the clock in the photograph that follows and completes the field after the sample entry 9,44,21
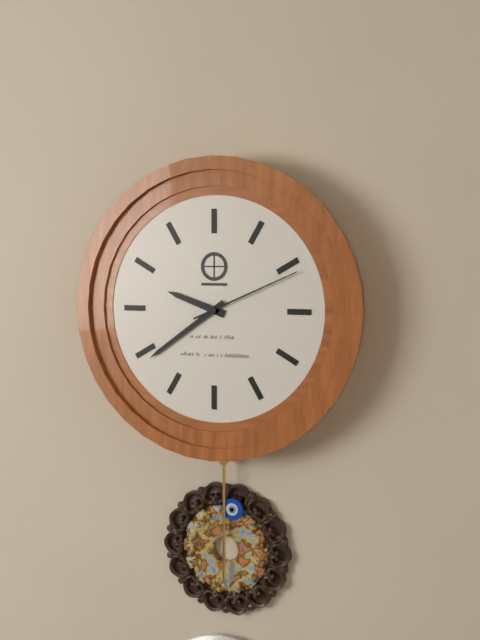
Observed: 9,39,11
